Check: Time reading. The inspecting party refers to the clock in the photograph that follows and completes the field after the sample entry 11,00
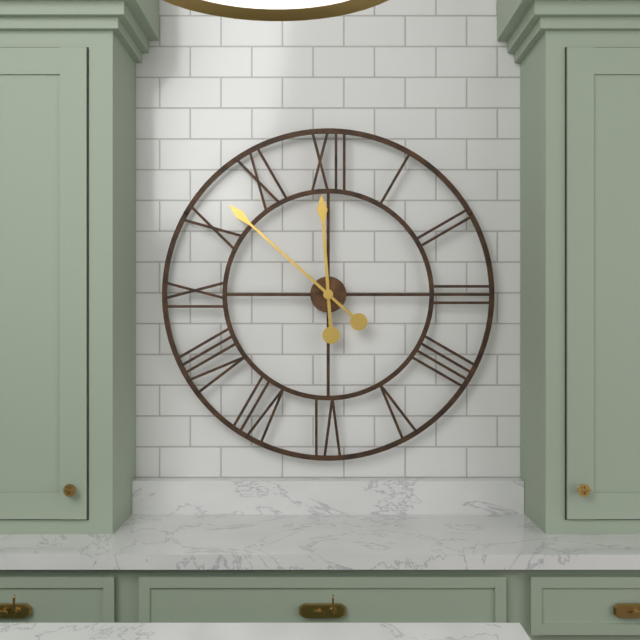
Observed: 11,52
